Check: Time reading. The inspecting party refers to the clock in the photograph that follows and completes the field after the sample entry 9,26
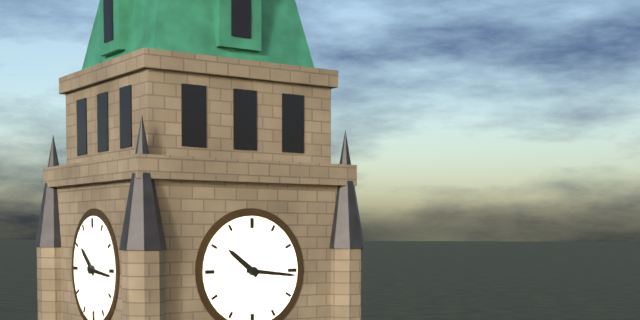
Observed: 10,16
